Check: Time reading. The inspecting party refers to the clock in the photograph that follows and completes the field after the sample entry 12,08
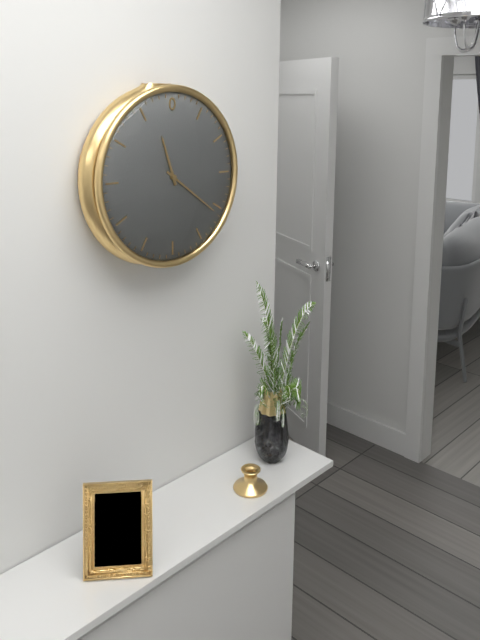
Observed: 11,21
